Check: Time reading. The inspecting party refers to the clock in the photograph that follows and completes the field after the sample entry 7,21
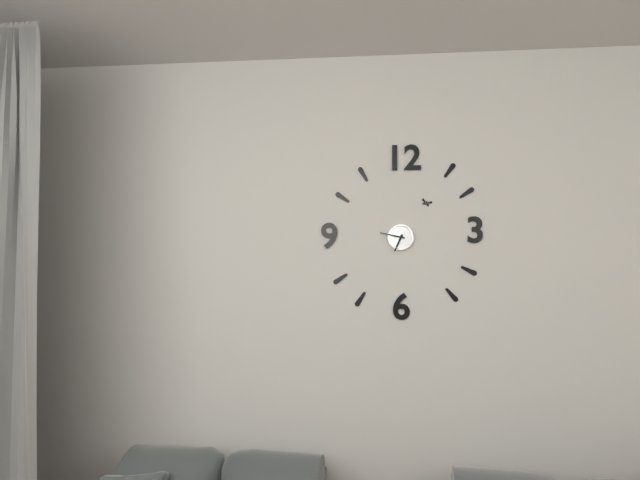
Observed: 6,47
